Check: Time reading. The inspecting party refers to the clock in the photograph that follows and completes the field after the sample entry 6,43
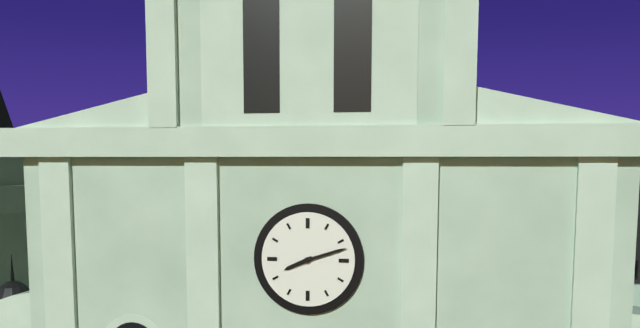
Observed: 8,12
